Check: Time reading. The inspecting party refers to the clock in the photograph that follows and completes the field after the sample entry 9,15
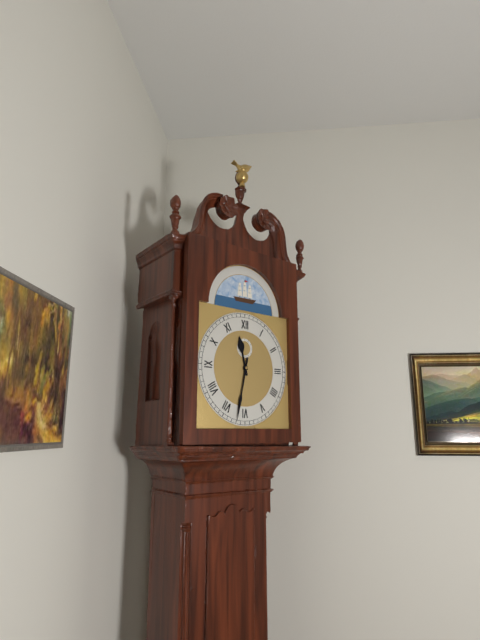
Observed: 11,32
